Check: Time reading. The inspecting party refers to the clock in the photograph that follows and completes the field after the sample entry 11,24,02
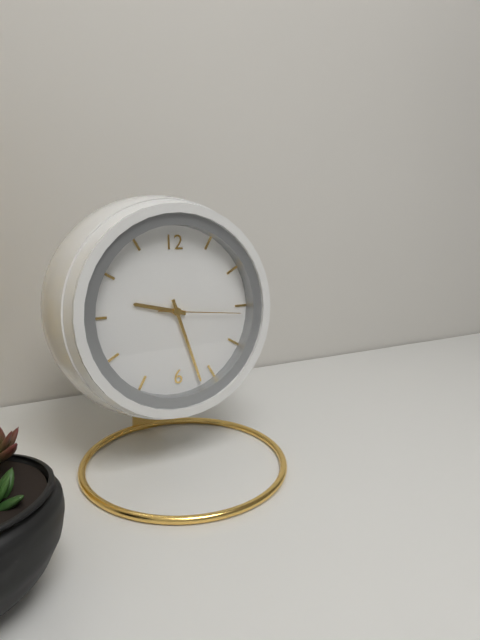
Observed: 9,27,16
